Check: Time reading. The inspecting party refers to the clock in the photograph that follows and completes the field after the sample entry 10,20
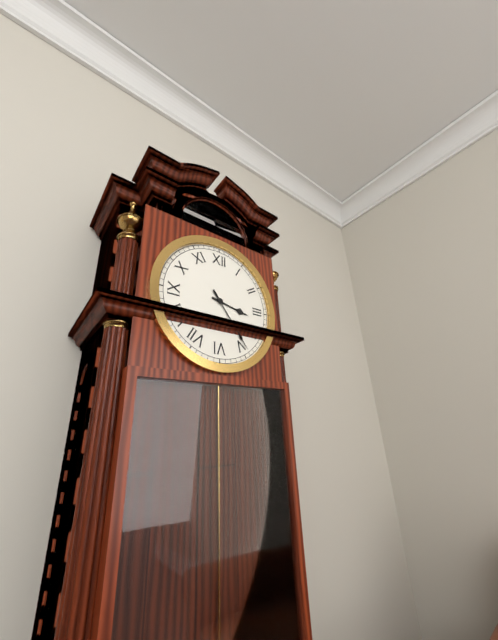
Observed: 3,24
